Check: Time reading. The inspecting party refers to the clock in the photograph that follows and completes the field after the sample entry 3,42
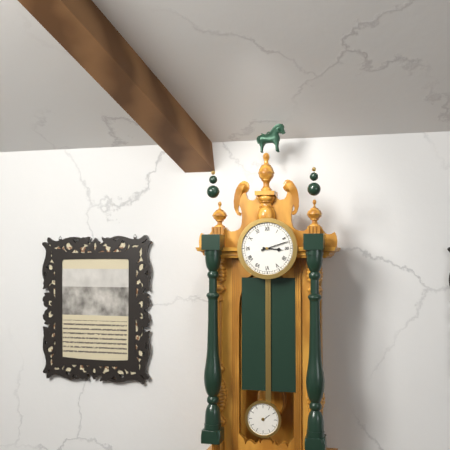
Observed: 3,12
